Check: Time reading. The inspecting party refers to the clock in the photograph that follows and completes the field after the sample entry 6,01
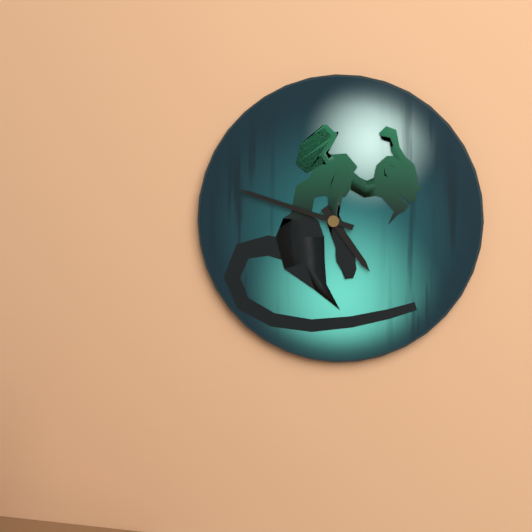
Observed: 4,48
